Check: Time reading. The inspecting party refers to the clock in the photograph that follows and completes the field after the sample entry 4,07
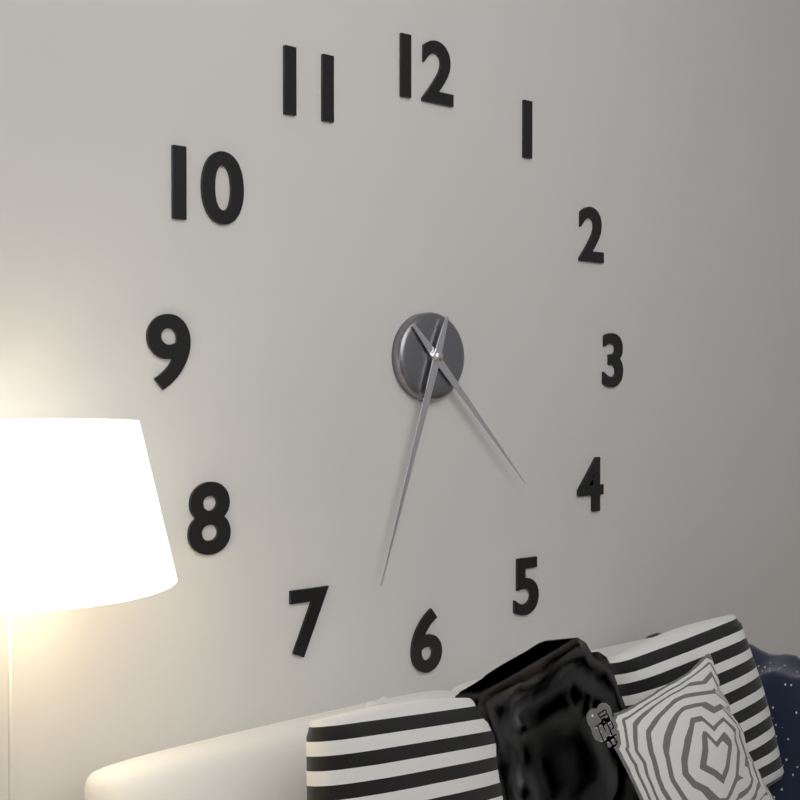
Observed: 4,33
